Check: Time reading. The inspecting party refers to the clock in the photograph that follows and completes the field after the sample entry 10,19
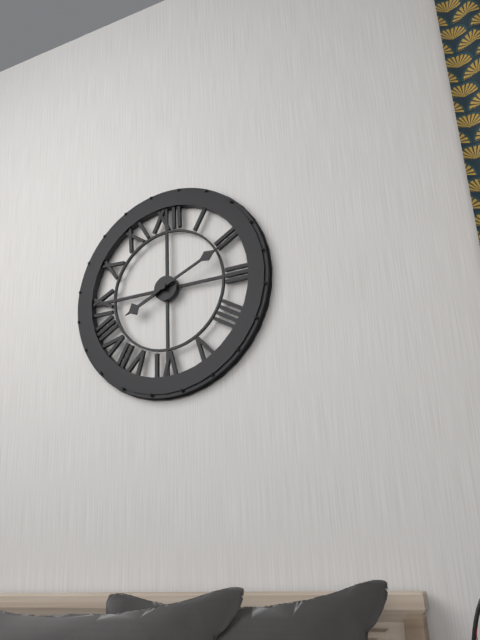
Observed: 8,11
